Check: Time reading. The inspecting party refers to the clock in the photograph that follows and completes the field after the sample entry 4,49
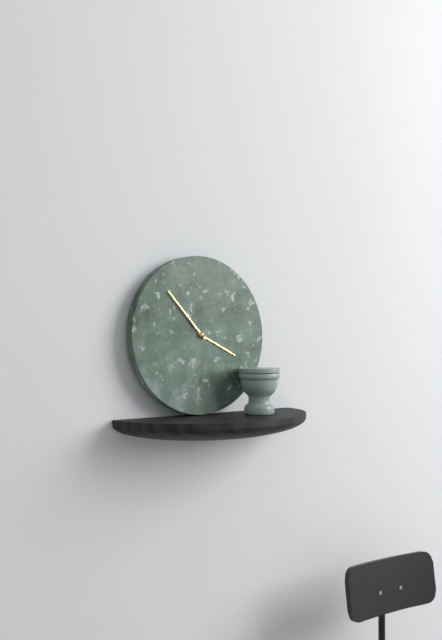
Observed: 3,53
